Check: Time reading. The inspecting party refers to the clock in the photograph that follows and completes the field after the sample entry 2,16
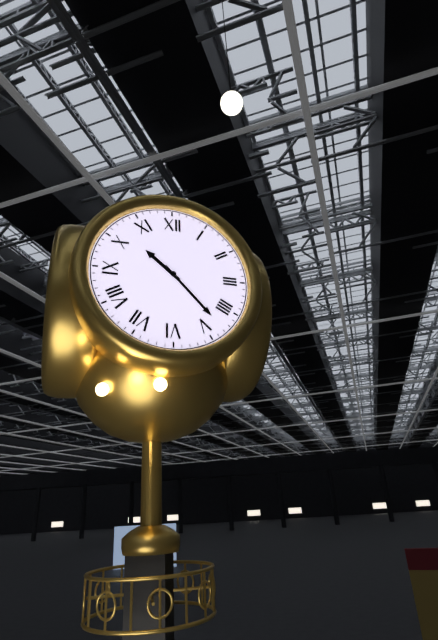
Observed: 10,23
